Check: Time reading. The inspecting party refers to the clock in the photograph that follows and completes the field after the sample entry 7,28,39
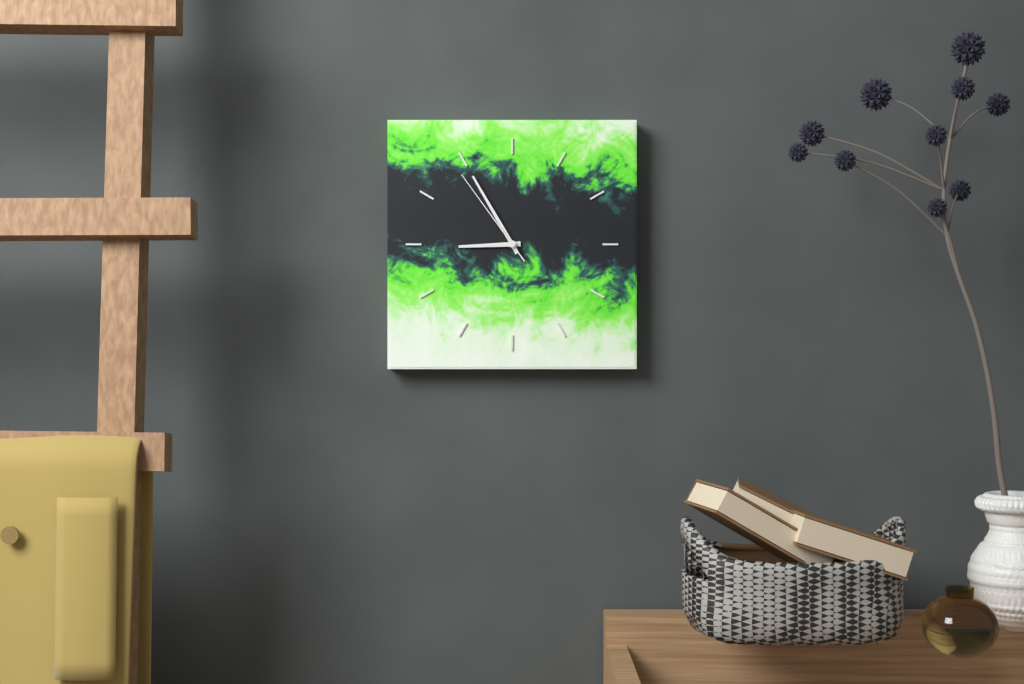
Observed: 8,55,54
